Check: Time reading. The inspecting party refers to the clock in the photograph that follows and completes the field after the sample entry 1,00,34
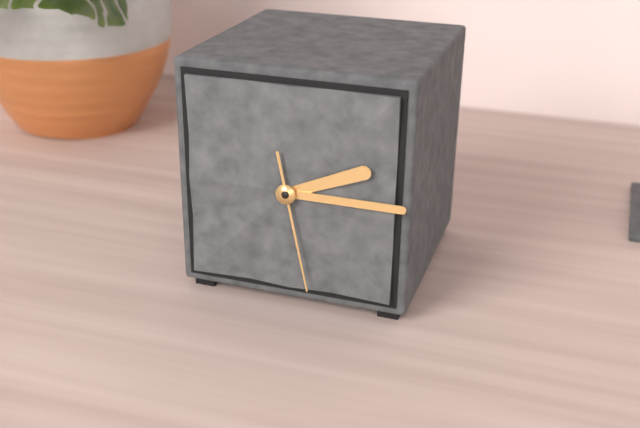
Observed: 2,15,28
